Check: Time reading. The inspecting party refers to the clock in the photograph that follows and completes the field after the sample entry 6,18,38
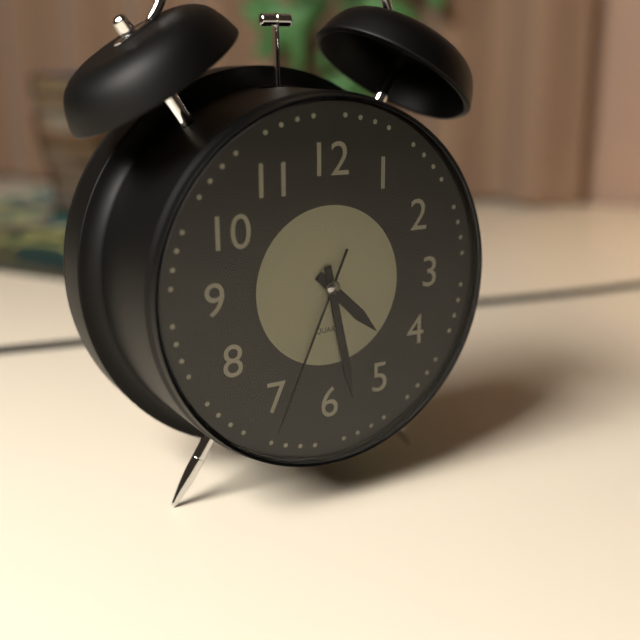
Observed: 4,28,34
